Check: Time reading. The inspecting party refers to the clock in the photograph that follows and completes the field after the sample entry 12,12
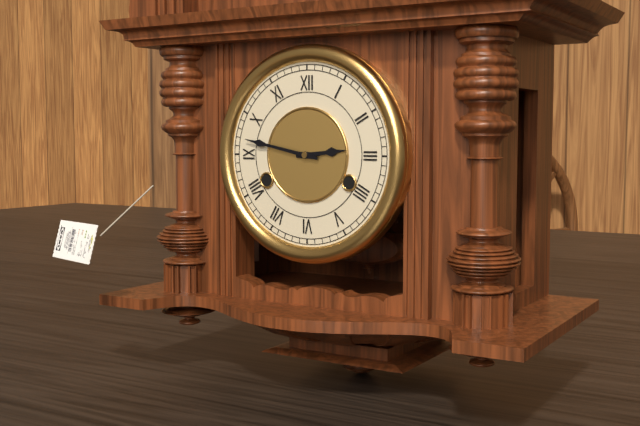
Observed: 2,47
